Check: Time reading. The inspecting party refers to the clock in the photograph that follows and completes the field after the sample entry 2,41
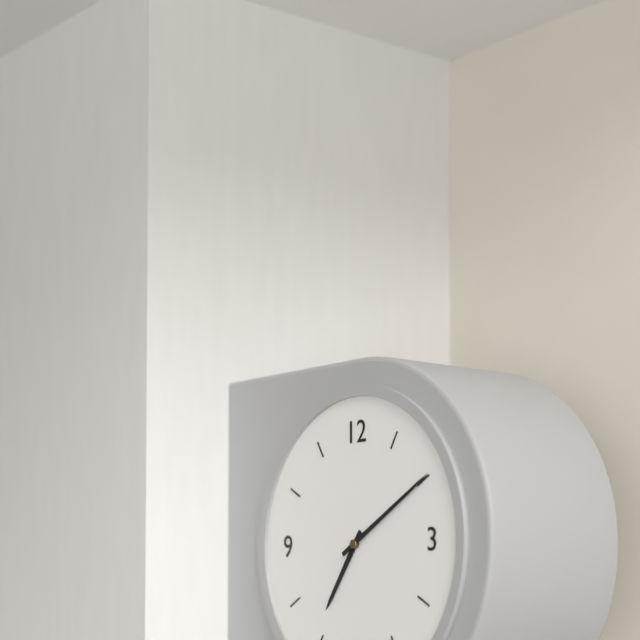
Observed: 7,10
